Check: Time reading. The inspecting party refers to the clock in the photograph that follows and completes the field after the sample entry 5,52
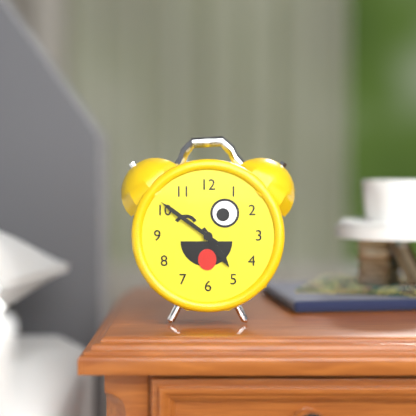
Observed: 4,51
